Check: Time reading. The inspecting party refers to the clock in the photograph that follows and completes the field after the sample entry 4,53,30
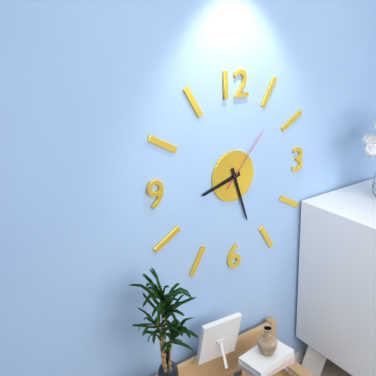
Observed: 8,27,07
